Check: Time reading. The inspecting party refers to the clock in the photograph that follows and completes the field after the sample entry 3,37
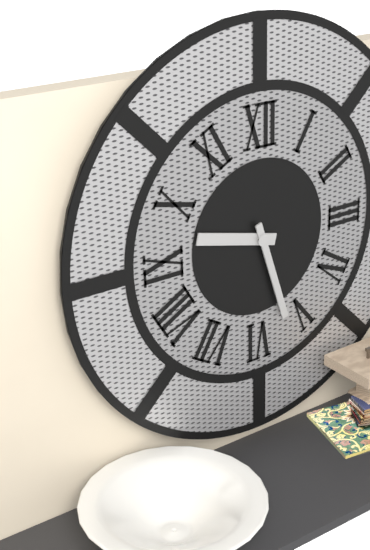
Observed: 9,27
